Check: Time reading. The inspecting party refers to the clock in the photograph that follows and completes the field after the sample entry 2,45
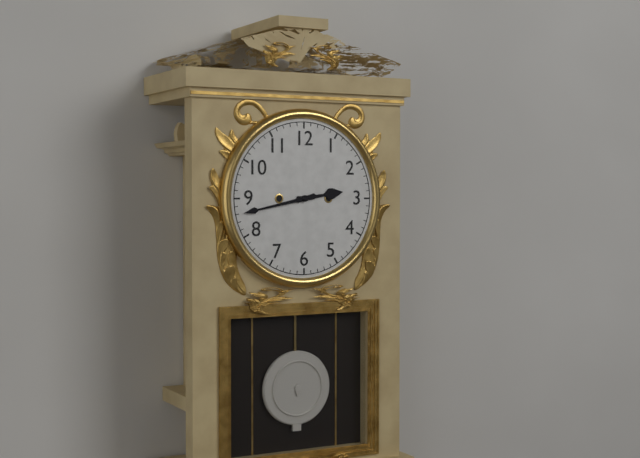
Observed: 2,43
